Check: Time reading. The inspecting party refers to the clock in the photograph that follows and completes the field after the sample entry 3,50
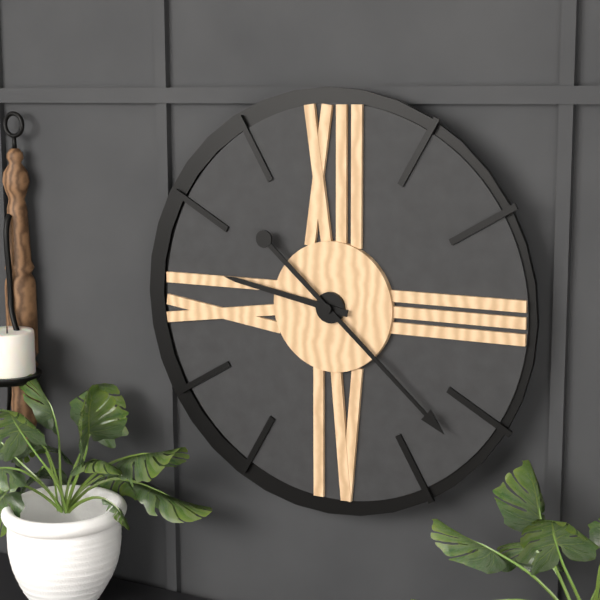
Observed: 9,22
